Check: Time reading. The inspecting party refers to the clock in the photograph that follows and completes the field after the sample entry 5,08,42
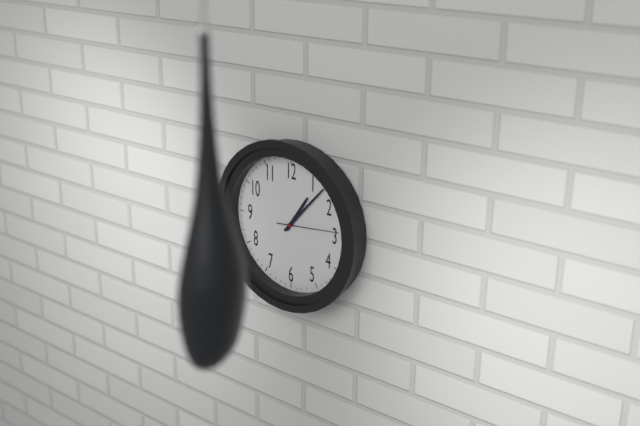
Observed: 1,07,14
